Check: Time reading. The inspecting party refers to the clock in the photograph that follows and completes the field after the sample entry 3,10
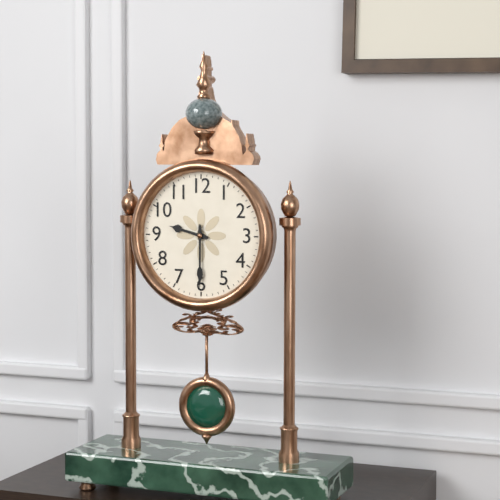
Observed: 9,30
